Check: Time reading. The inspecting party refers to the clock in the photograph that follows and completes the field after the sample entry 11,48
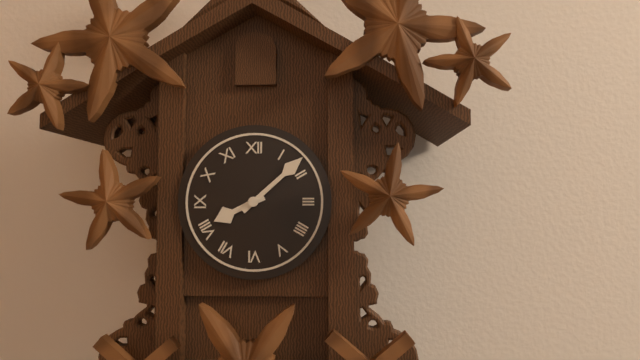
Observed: 8,08
